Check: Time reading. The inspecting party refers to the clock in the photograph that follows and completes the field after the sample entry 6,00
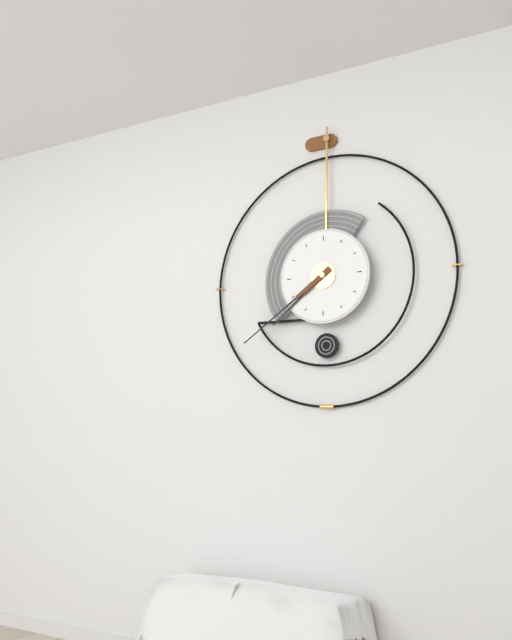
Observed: 7,39
